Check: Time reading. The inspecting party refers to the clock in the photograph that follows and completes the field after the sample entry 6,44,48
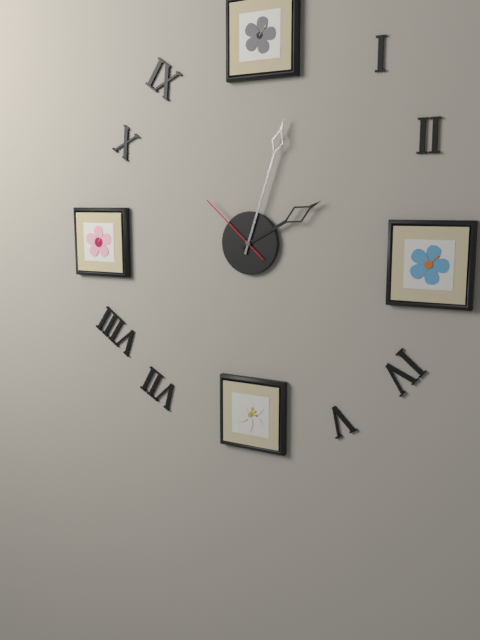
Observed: 2,03,52
